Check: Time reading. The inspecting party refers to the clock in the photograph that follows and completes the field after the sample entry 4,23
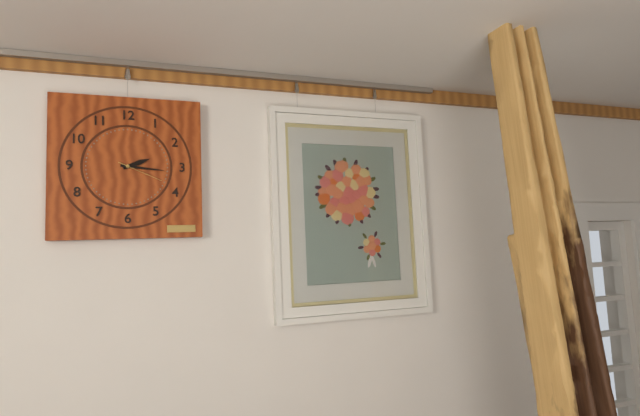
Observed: 2,16
